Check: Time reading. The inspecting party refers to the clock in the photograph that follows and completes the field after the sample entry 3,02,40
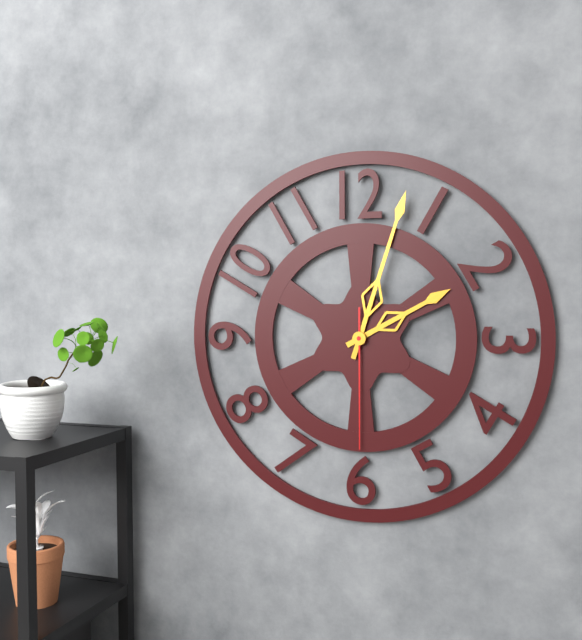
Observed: 2,03,30
